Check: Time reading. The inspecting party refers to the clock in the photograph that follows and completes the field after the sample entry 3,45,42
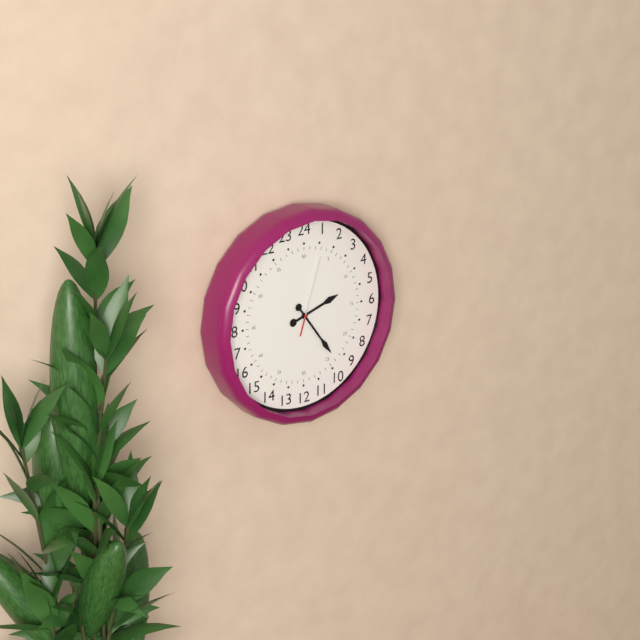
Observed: 2,24,03
